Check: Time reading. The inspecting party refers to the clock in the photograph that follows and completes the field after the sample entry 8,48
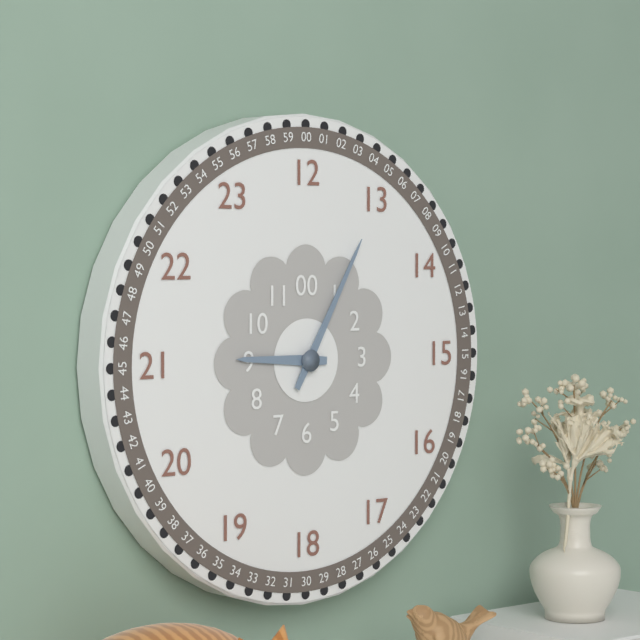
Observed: 9,05
